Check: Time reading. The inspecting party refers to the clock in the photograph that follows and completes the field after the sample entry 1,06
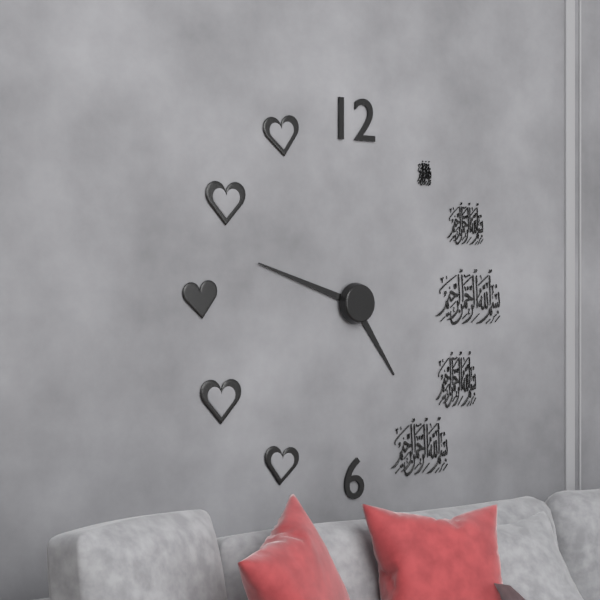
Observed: 4,48
